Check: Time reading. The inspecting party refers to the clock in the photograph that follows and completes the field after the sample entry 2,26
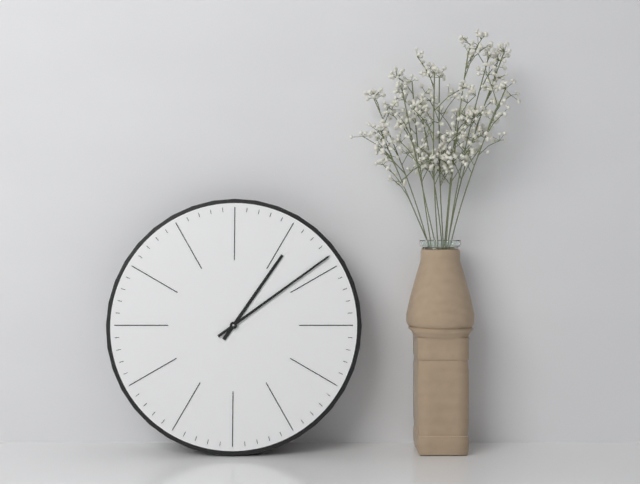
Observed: 1,09
